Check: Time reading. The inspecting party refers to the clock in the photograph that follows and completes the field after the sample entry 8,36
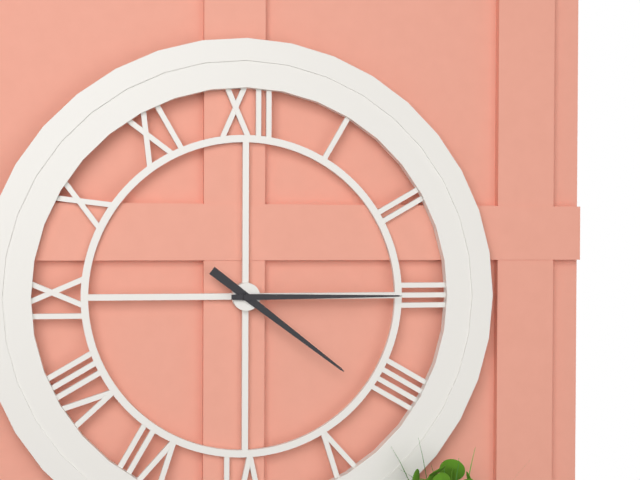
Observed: 4,15
